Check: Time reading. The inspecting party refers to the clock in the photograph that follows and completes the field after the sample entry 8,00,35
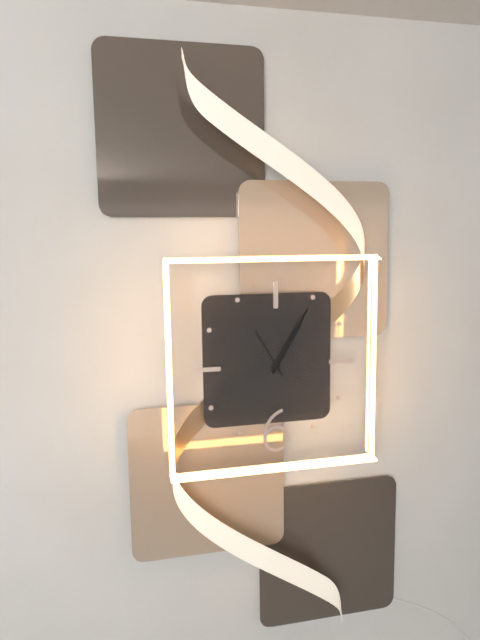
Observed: 1,05,55
